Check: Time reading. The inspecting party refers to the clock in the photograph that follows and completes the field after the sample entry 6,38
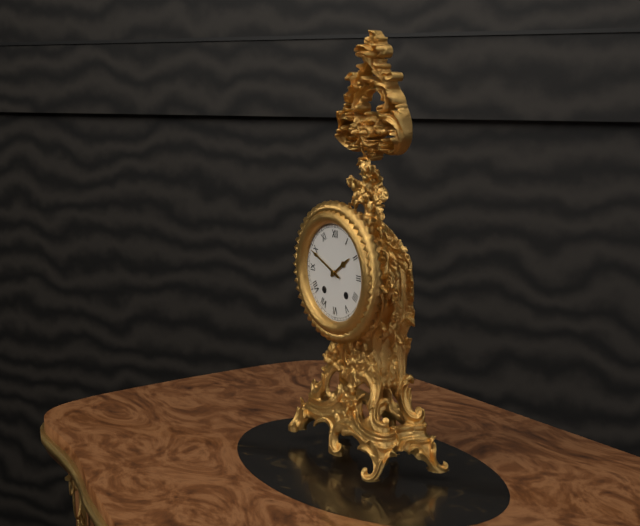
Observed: 1,49
